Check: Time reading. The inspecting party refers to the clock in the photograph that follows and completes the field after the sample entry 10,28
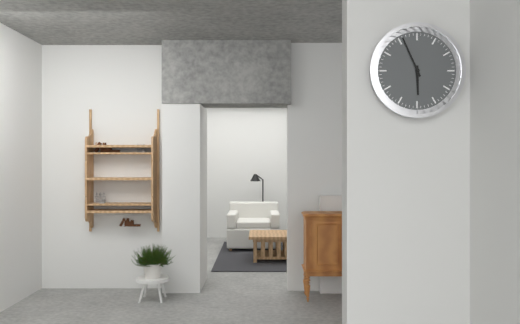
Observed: 5,56
